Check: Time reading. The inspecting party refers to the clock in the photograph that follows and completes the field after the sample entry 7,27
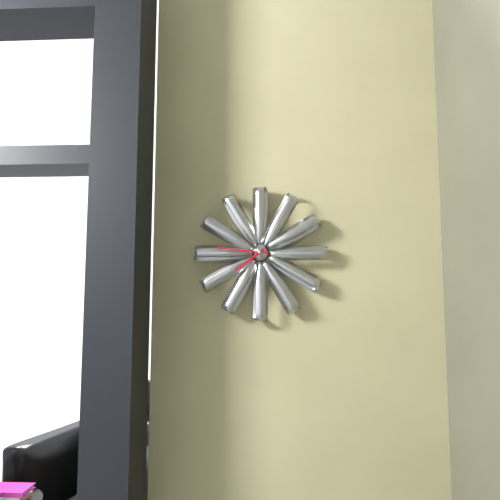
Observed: 7,46
